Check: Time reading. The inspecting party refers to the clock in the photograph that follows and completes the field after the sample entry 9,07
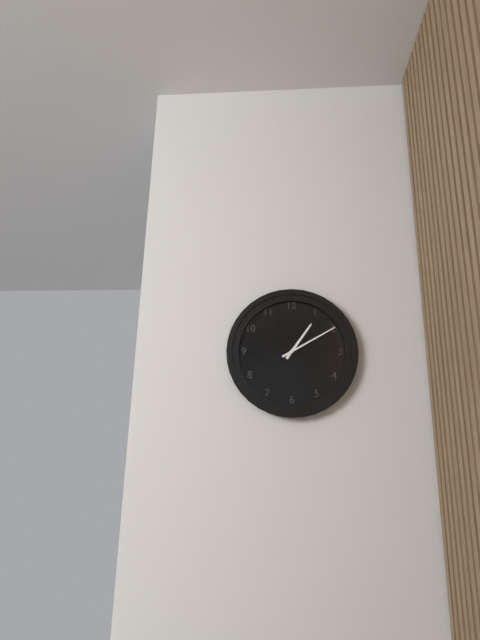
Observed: 1,10
